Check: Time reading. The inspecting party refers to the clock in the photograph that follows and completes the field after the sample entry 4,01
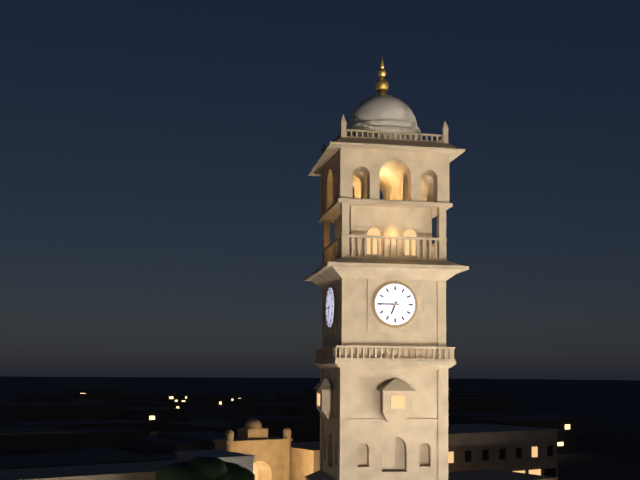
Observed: 6,45
